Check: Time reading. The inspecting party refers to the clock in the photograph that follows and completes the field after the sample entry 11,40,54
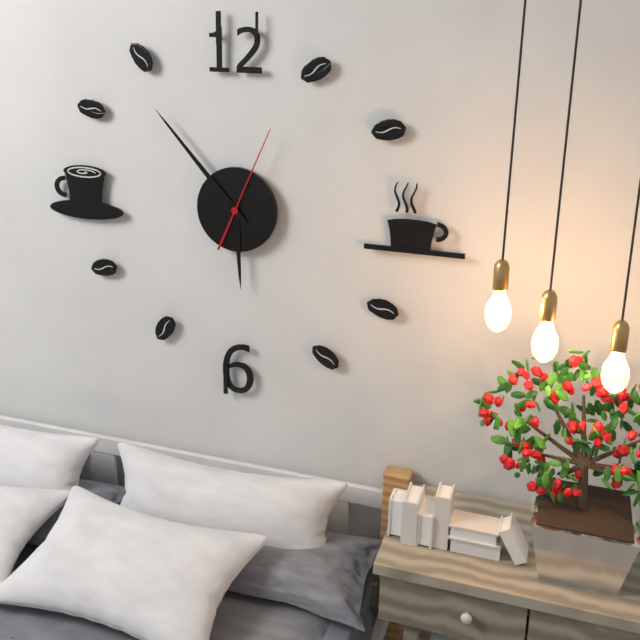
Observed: 5,53,04
